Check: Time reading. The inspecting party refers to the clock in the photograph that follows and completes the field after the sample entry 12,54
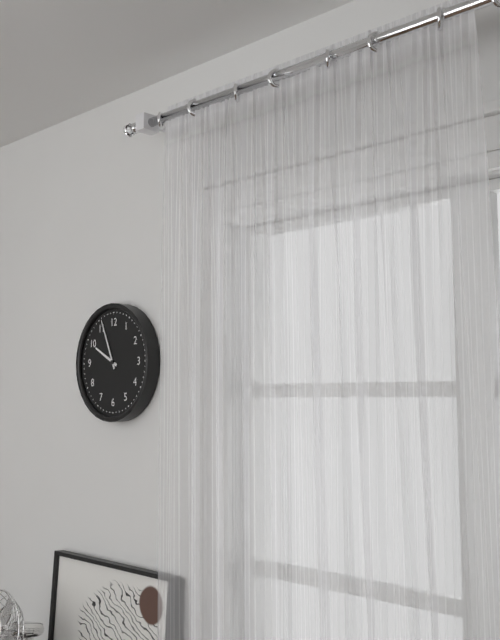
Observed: 9,56
